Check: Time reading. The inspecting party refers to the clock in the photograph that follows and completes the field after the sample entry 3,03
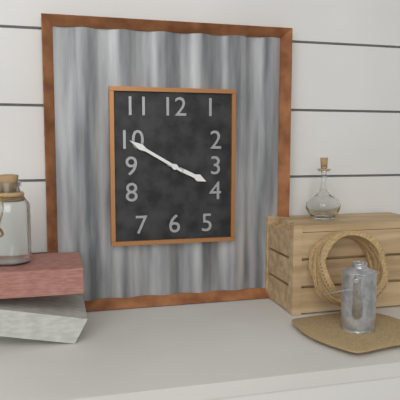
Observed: 3,50
